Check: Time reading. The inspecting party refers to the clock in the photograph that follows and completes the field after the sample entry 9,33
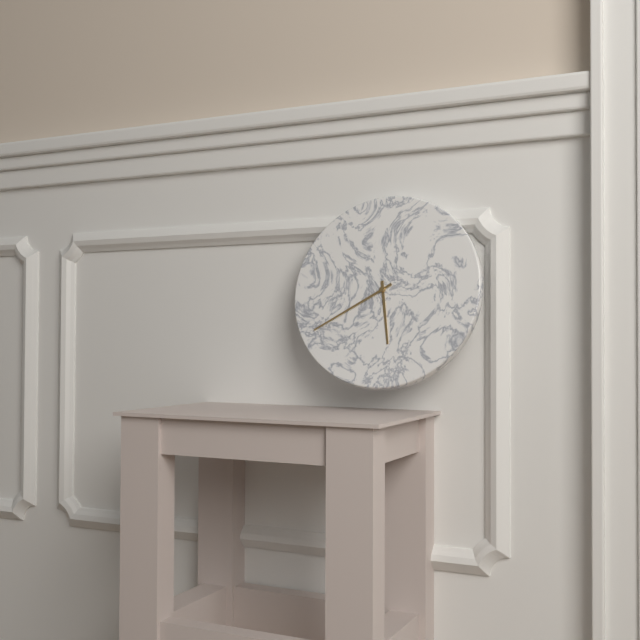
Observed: 5,40
